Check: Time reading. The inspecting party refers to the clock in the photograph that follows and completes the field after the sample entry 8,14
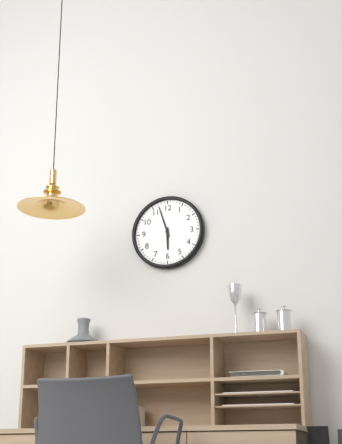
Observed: 5,57
